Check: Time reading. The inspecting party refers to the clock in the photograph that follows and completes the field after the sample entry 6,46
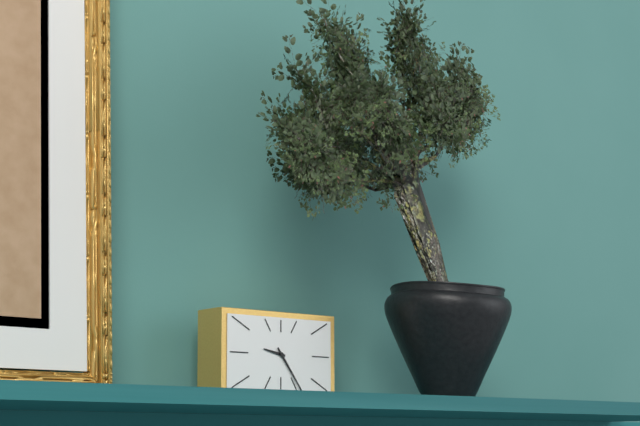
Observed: 9,24
